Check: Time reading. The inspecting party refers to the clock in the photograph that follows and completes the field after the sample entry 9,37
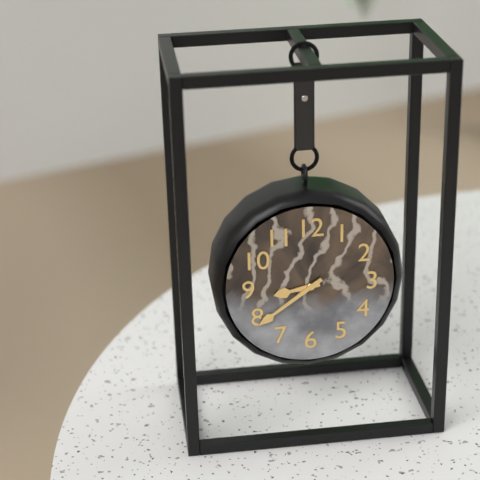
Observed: 8,39
